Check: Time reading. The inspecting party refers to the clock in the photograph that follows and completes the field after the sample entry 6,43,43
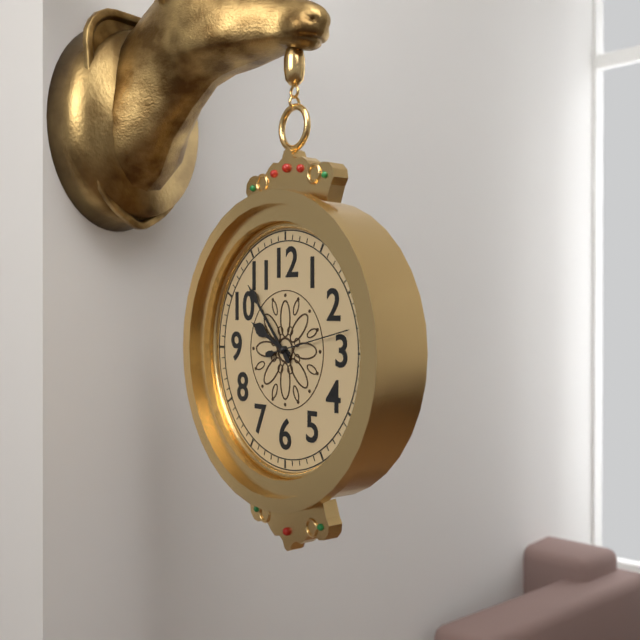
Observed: 9,53,13
